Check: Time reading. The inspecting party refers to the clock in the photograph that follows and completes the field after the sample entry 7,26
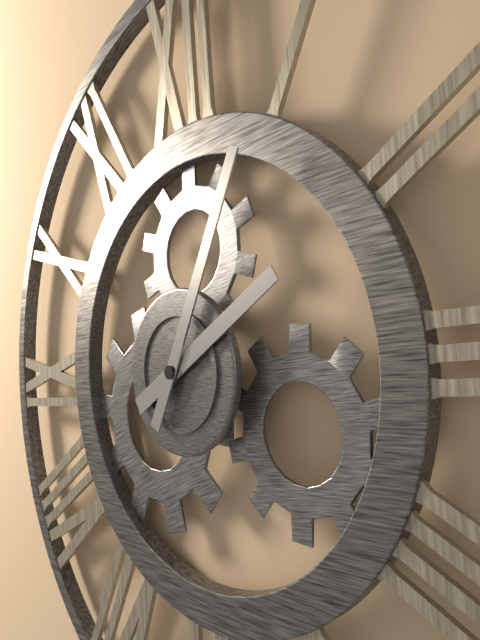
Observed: 2,05
